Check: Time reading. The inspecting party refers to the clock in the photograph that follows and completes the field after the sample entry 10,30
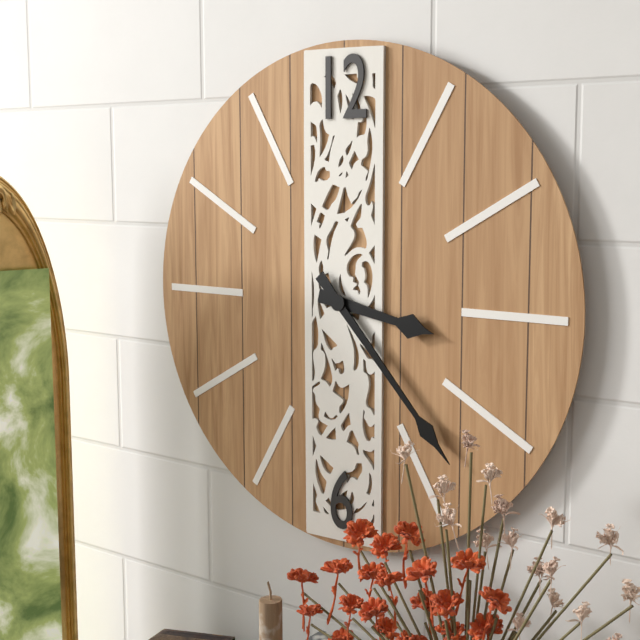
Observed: 3,23
